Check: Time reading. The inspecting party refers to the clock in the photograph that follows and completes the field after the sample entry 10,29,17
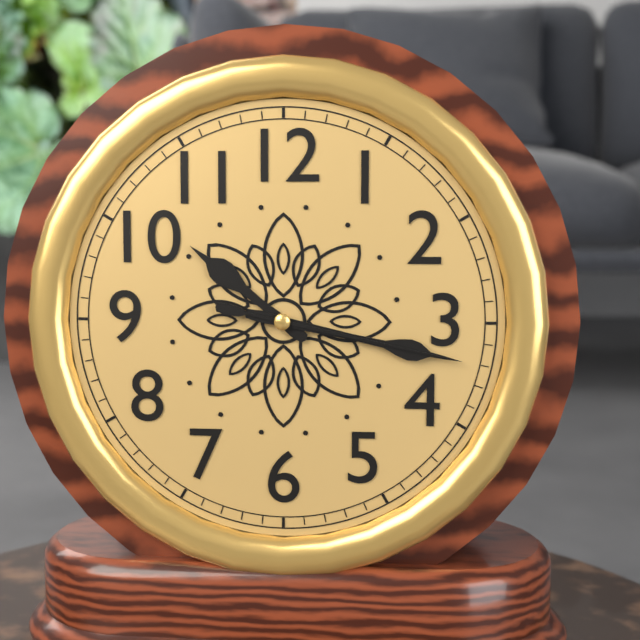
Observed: 10,17,17
